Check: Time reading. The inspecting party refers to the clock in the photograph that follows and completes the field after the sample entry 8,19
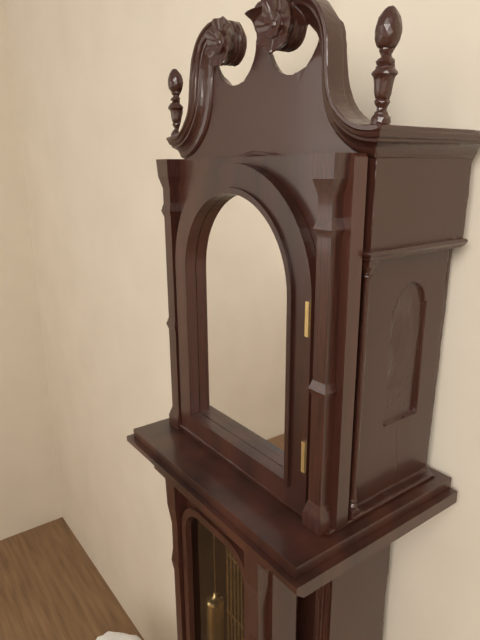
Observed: 7,15
